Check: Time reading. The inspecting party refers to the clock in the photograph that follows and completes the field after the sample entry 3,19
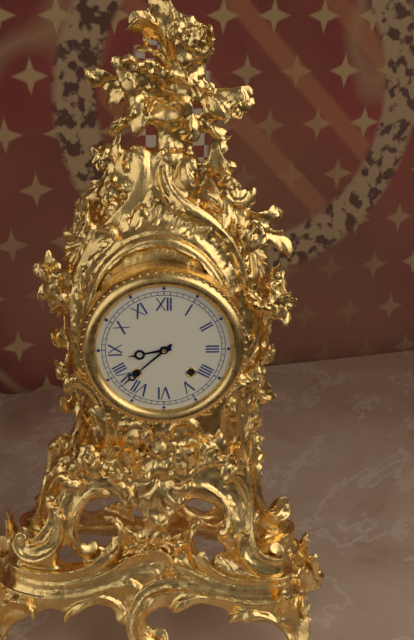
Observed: 8,38
